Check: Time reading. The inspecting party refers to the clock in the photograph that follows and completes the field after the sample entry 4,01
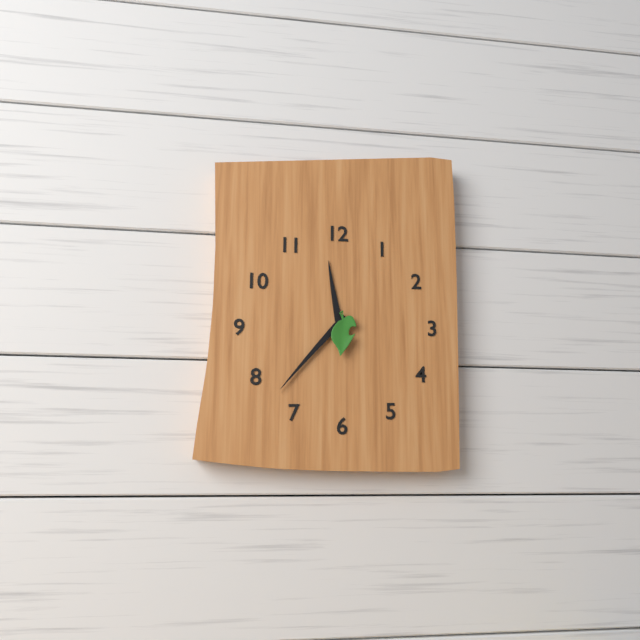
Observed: 11,37
